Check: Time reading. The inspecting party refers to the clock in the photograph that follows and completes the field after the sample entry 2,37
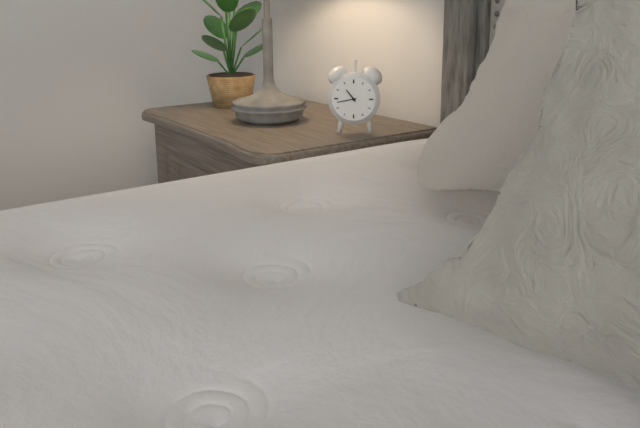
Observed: 10,43
